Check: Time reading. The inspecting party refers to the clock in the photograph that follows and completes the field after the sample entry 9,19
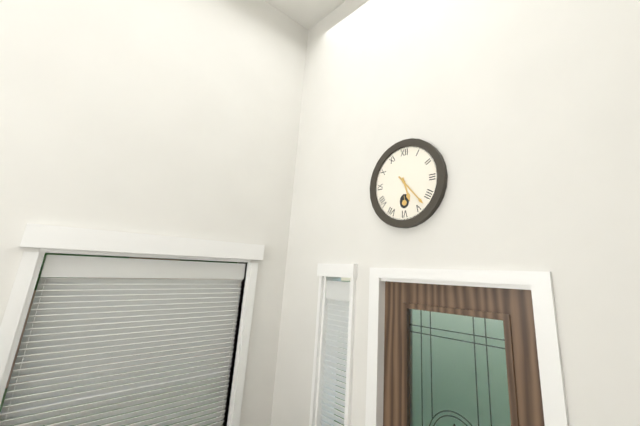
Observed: 5,23
